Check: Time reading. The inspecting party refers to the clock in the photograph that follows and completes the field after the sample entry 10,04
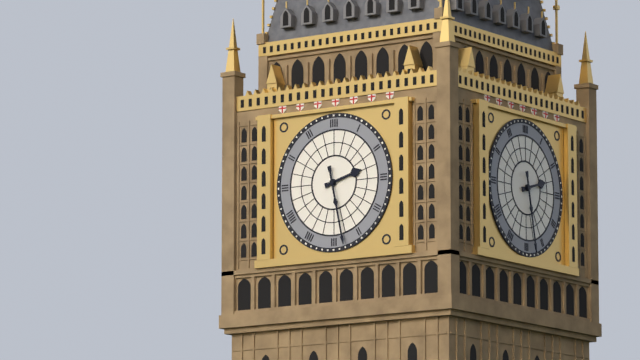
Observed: 2,28
